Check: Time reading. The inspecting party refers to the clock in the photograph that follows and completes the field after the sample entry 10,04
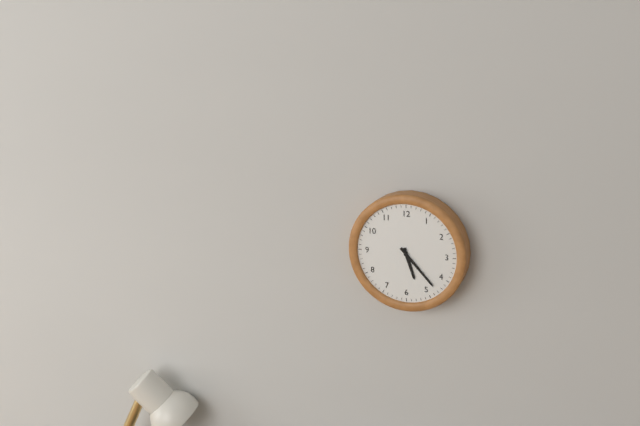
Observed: 5,23
